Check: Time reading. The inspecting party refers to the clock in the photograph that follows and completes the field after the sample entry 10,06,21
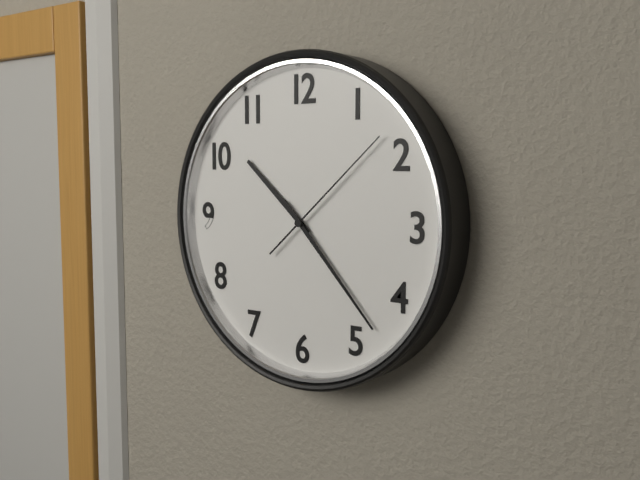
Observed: 10,23,08
